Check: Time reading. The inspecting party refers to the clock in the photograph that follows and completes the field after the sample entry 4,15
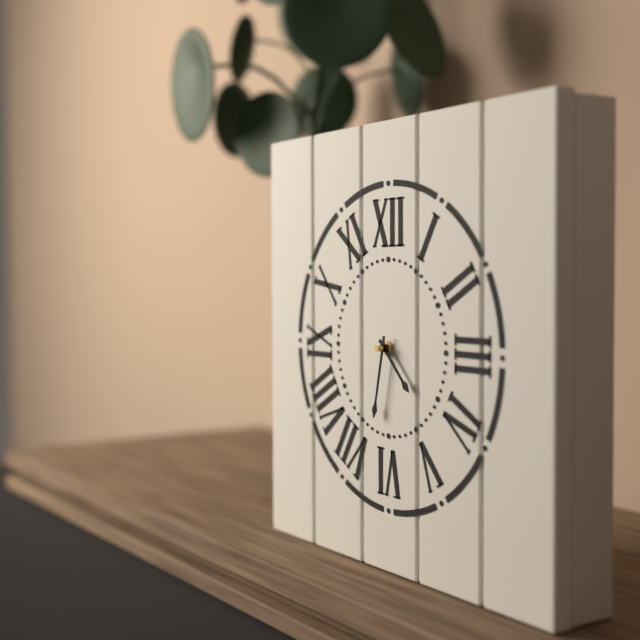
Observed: 4,32
